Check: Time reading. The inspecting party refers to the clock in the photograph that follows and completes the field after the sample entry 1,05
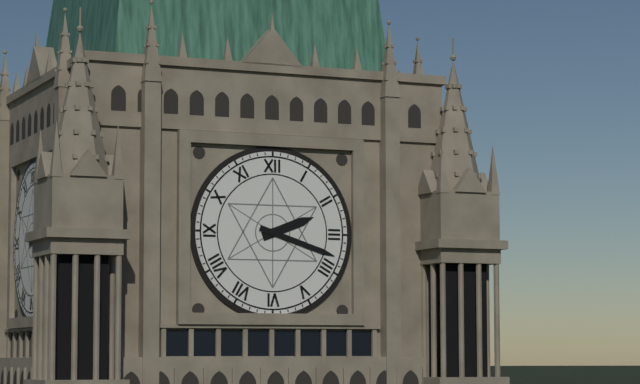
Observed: 2,18
